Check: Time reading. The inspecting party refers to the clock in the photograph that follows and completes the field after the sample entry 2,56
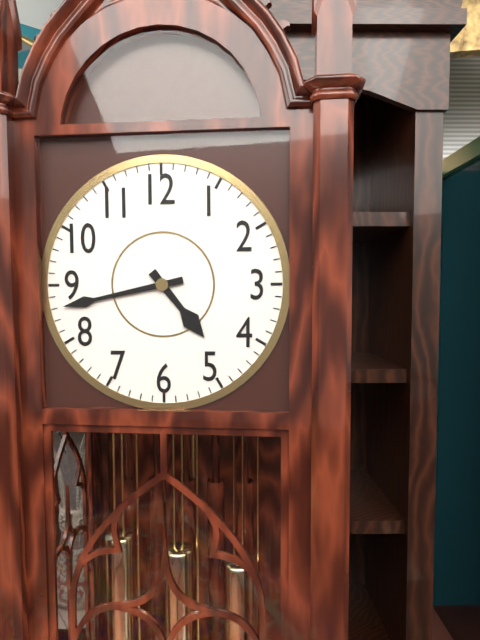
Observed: 4,43
